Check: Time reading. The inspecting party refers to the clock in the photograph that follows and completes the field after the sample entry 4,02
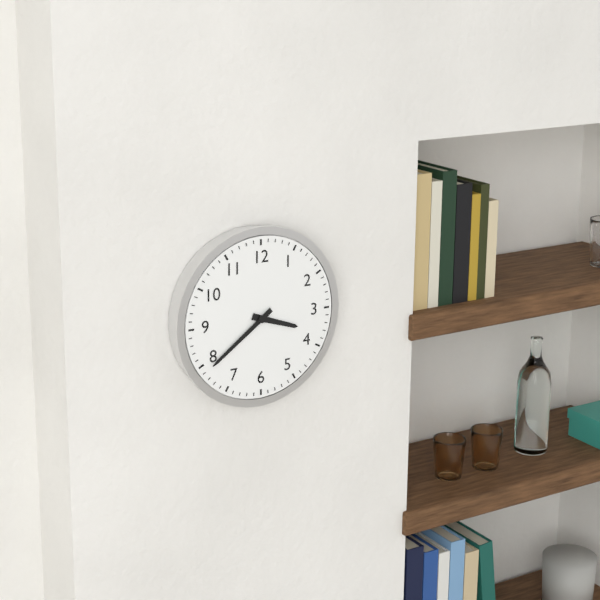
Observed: 3,39
